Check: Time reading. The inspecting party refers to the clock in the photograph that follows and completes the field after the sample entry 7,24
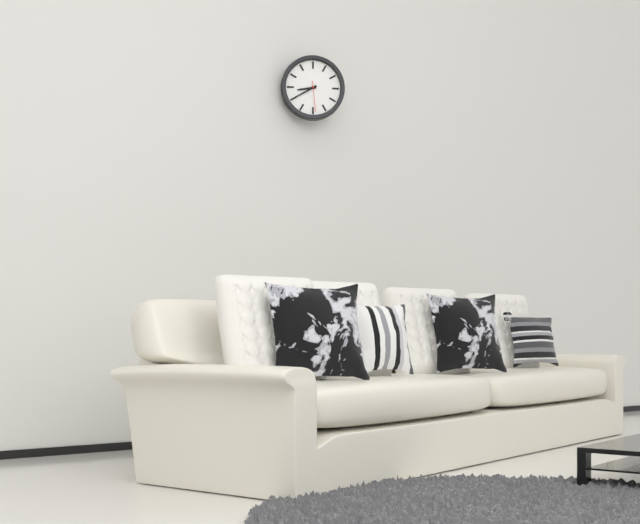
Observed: 8,40
